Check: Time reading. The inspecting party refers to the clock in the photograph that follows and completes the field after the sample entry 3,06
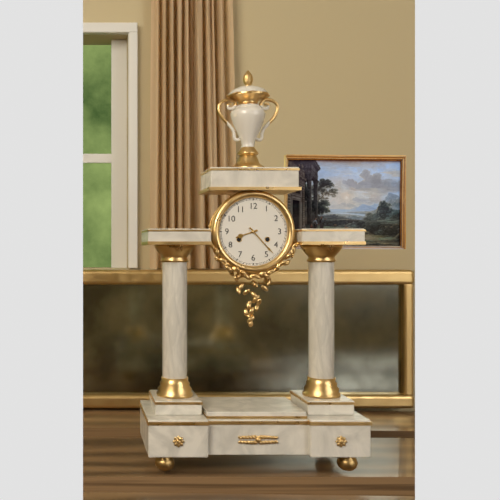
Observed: 8,23
